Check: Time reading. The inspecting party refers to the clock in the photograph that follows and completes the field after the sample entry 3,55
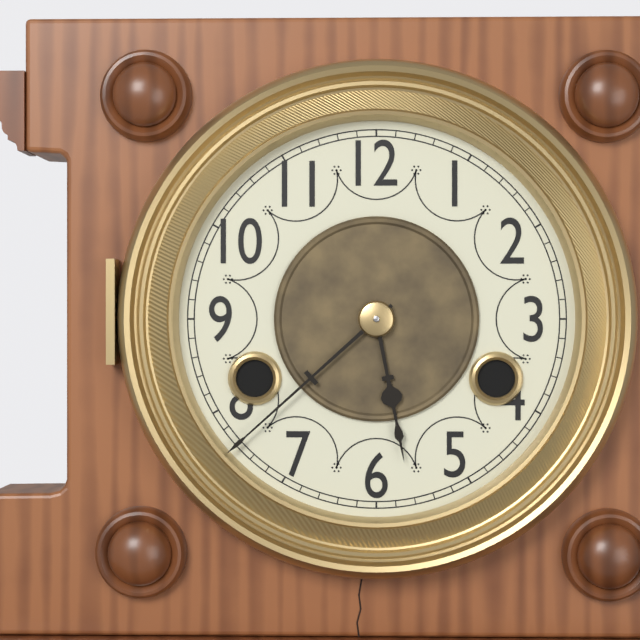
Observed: 5,38
